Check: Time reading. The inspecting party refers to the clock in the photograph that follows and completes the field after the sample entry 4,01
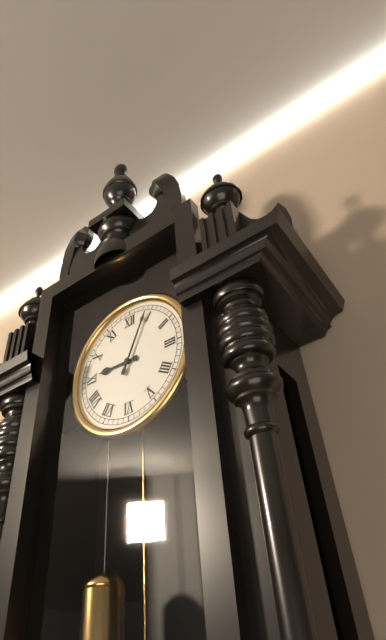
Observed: 9,04
